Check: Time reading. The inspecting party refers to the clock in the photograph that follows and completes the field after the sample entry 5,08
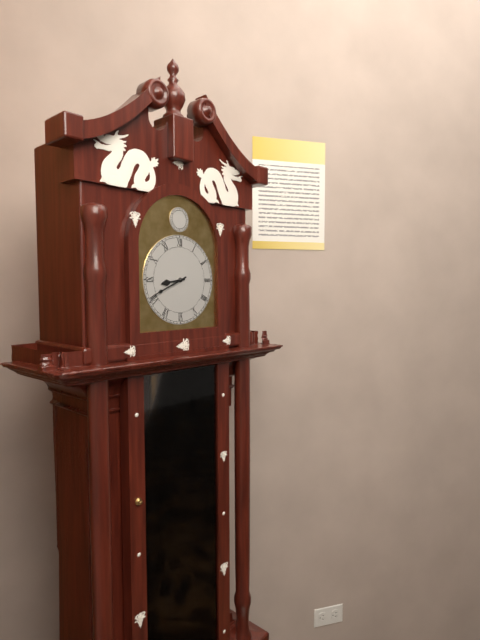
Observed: 8,41
